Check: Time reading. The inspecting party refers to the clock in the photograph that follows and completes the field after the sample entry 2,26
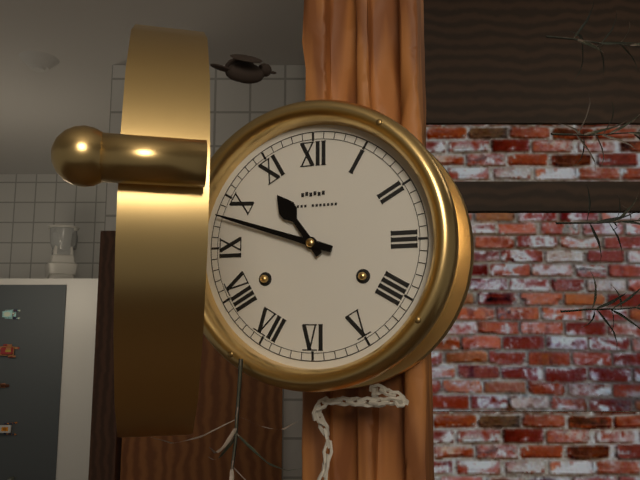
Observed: 10,48
